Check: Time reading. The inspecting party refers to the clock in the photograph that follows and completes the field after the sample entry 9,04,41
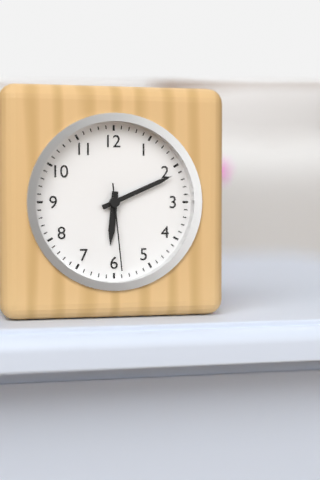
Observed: 6,11,29
